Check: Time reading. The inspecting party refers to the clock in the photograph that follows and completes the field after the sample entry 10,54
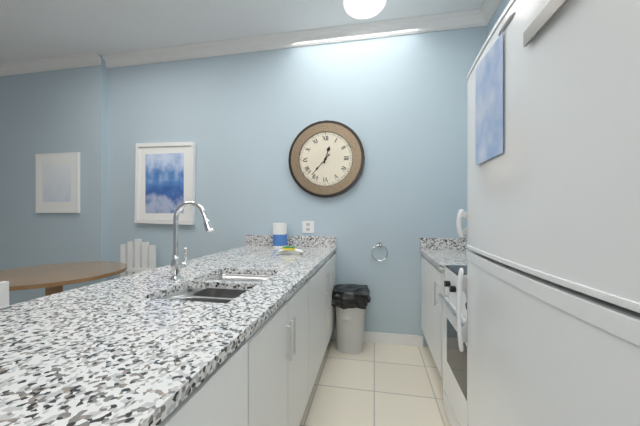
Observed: 12,37
